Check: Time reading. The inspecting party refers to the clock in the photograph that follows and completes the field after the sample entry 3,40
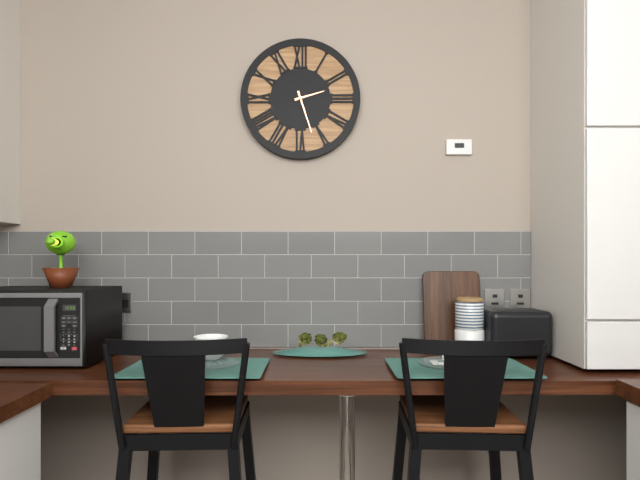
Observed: 2,27
